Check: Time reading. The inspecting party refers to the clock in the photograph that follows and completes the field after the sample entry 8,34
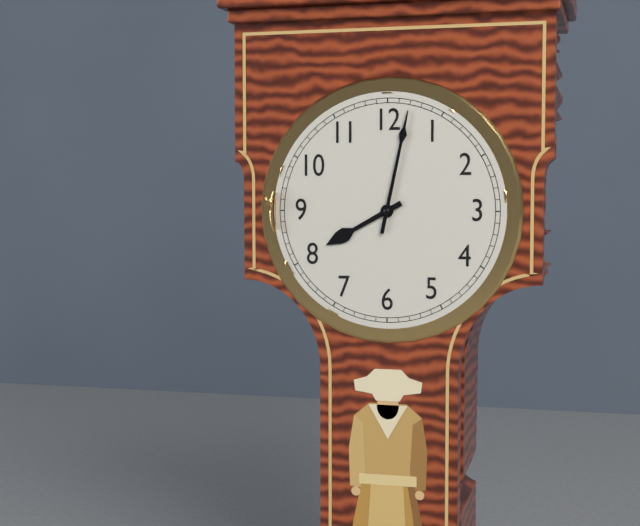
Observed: 8,02
